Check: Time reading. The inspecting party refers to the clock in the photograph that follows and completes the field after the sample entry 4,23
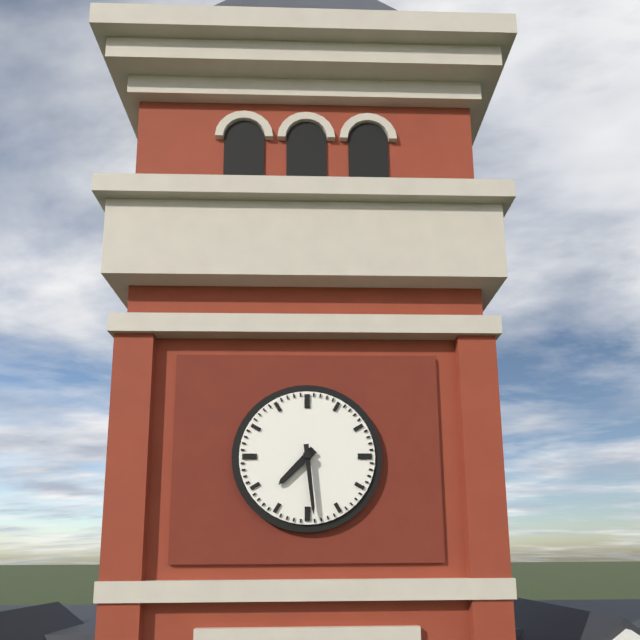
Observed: 7,29
